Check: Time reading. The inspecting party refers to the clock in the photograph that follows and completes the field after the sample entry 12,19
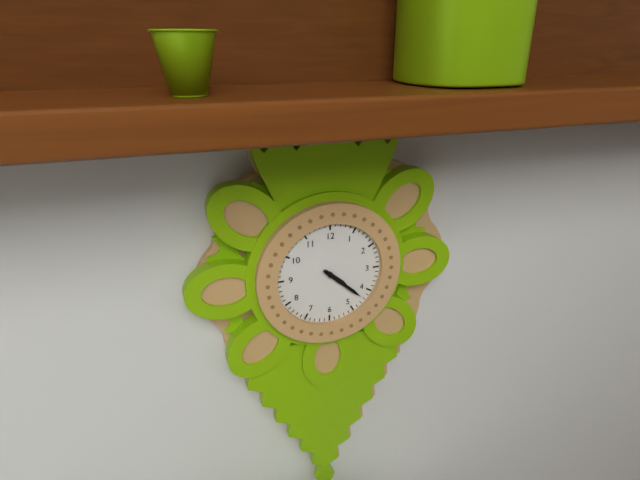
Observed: 4,22
